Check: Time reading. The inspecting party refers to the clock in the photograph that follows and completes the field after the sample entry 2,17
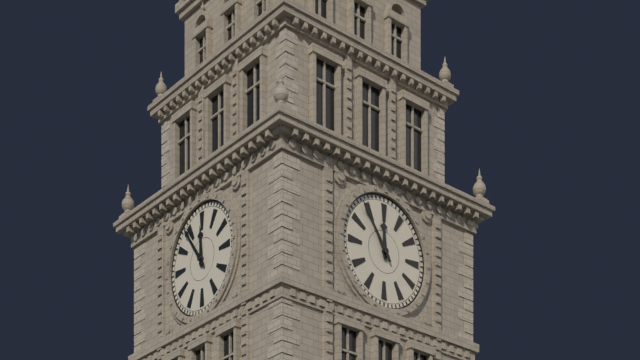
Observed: 11,54
